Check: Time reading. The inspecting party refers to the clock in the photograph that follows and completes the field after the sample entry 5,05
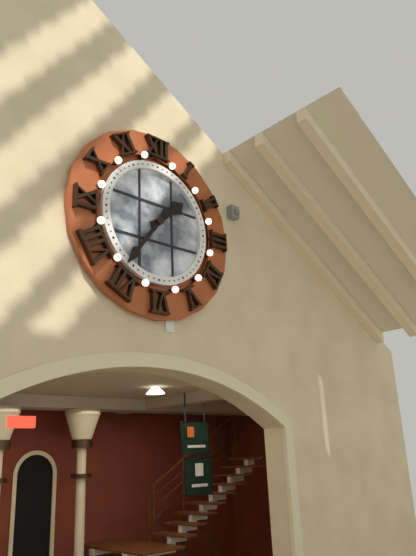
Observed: 1,36
